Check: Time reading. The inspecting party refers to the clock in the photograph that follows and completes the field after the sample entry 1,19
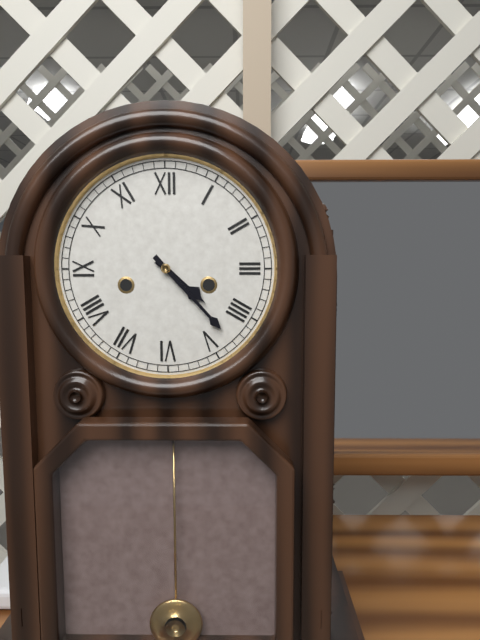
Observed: 4,23
